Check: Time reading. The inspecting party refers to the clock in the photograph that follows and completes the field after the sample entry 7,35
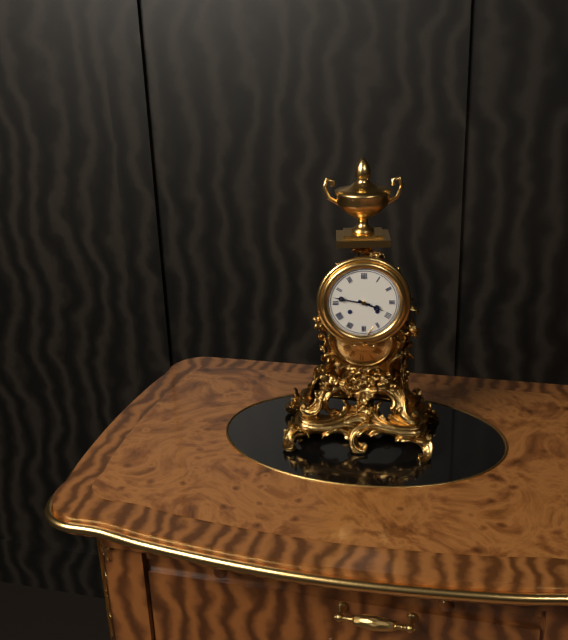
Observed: 3,47
